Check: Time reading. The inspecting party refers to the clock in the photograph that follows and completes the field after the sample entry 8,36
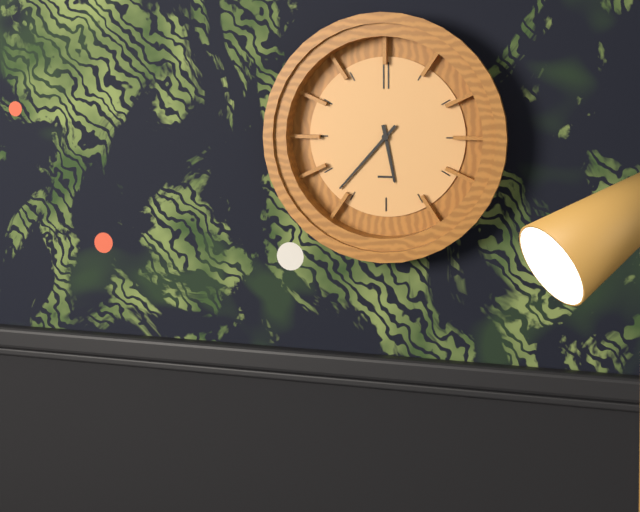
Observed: 5,37
